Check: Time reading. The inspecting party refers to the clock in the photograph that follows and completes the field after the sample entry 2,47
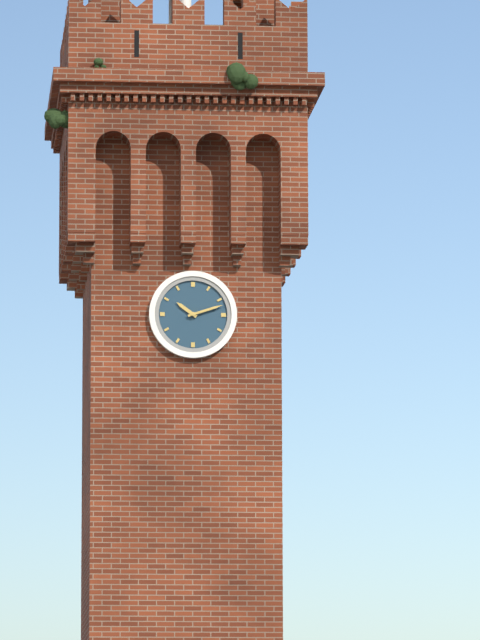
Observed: 10,12
